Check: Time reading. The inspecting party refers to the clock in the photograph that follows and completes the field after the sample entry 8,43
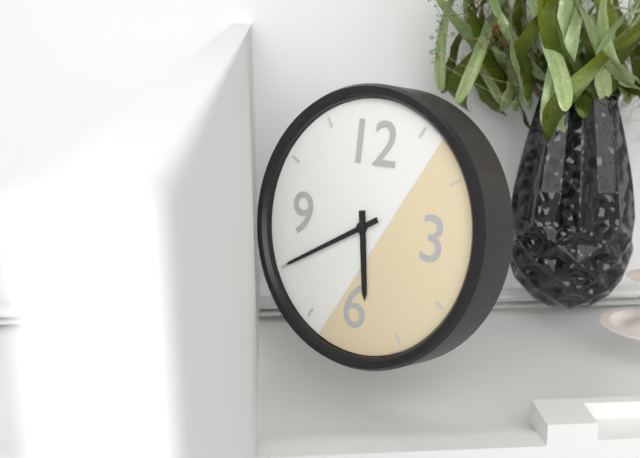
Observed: 5,40
